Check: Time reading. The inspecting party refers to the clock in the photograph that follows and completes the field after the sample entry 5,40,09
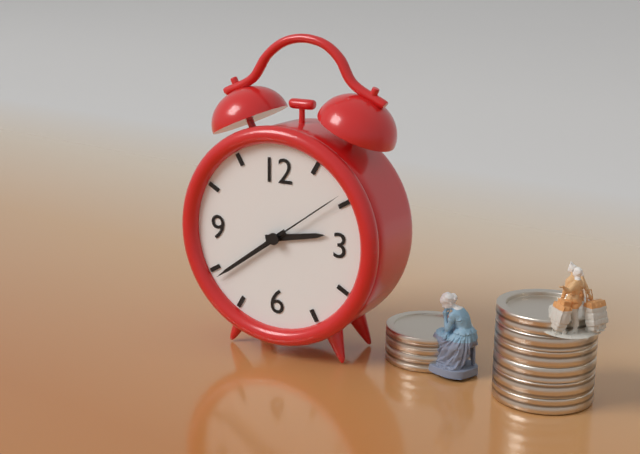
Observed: 2,39,09
